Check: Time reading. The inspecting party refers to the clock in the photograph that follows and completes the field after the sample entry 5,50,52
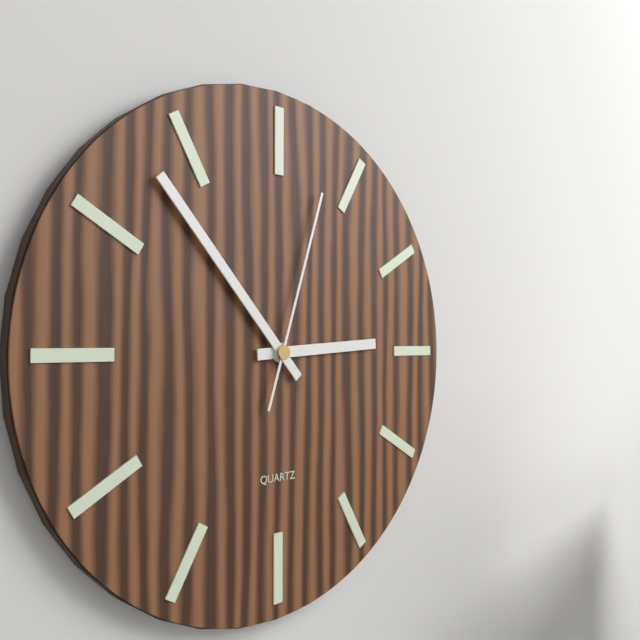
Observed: 2,53,03
